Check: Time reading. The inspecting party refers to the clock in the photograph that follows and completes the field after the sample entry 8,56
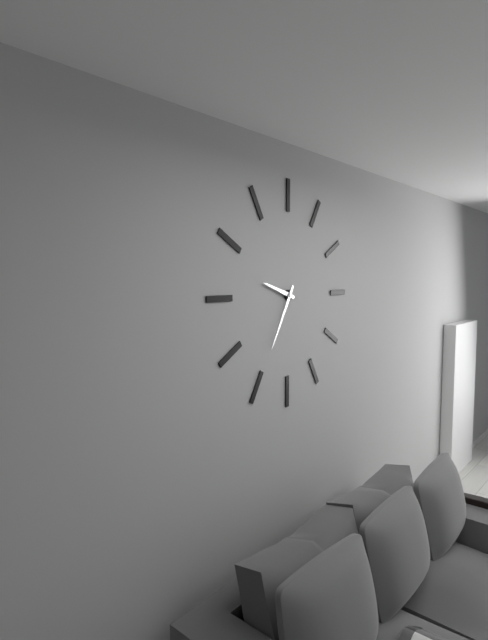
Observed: 9,35
